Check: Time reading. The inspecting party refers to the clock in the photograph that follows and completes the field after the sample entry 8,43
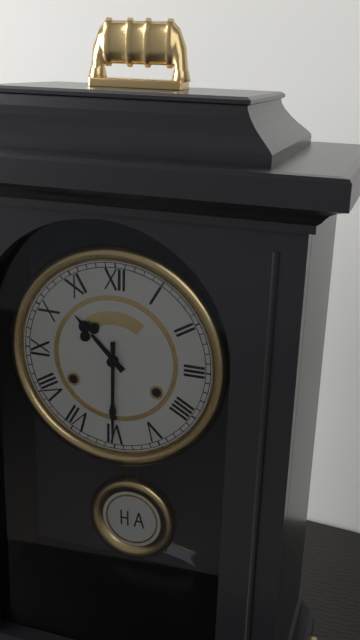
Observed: 10,30
